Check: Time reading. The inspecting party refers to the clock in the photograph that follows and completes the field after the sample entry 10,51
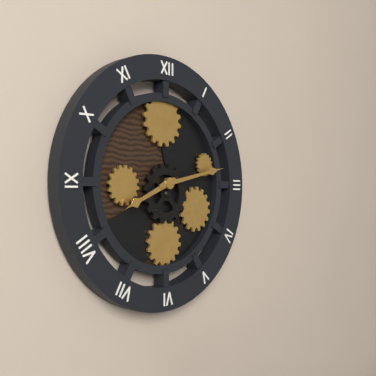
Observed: 8,13
